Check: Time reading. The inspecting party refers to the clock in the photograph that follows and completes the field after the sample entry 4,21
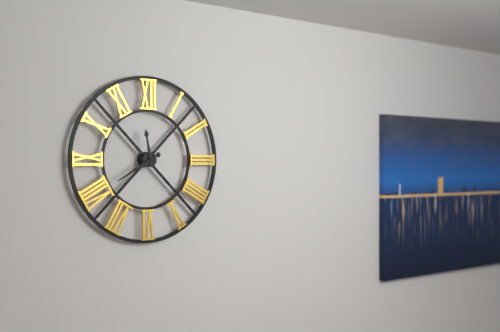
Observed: 11,40
